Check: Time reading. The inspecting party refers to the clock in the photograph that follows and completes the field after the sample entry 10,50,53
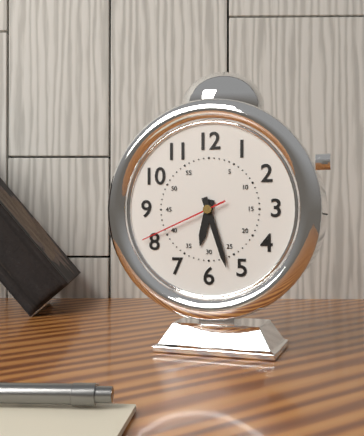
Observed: 6,27,41
